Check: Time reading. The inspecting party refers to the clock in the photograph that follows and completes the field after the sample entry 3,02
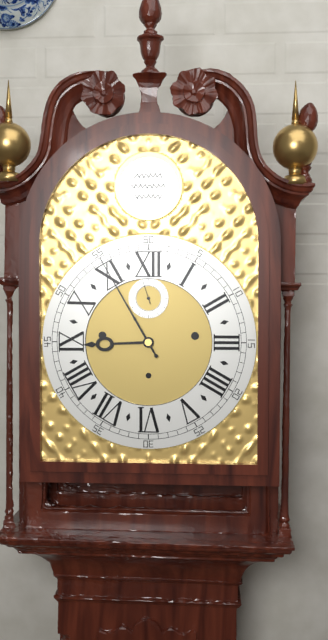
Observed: 8,55
